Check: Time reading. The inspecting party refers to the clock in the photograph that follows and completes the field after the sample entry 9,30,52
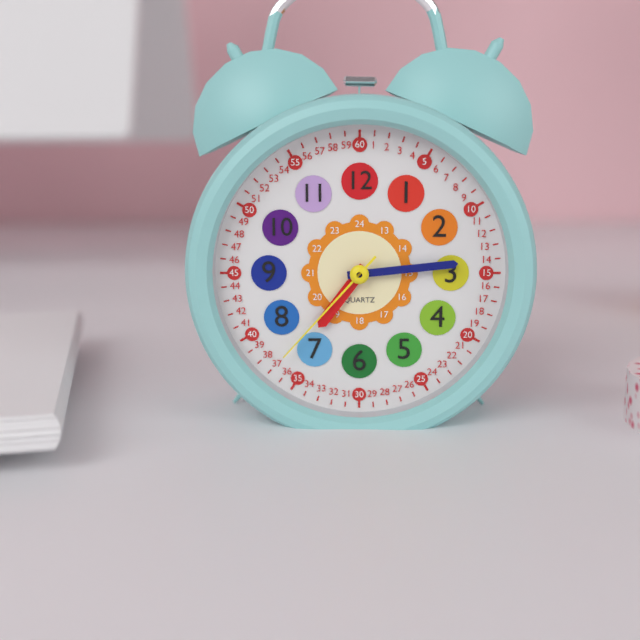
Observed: 7,14,37
